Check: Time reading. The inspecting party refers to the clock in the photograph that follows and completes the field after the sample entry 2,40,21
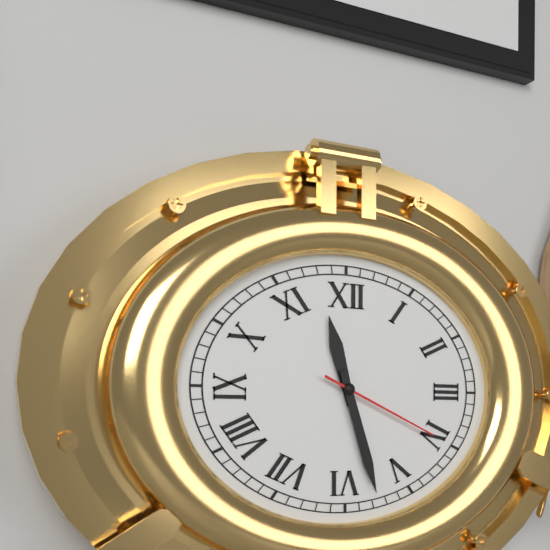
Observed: 11,27,19
